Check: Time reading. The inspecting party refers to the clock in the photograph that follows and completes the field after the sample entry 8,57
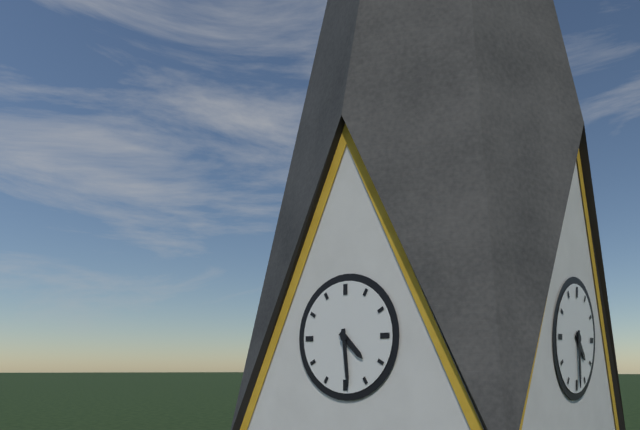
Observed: 4,29
